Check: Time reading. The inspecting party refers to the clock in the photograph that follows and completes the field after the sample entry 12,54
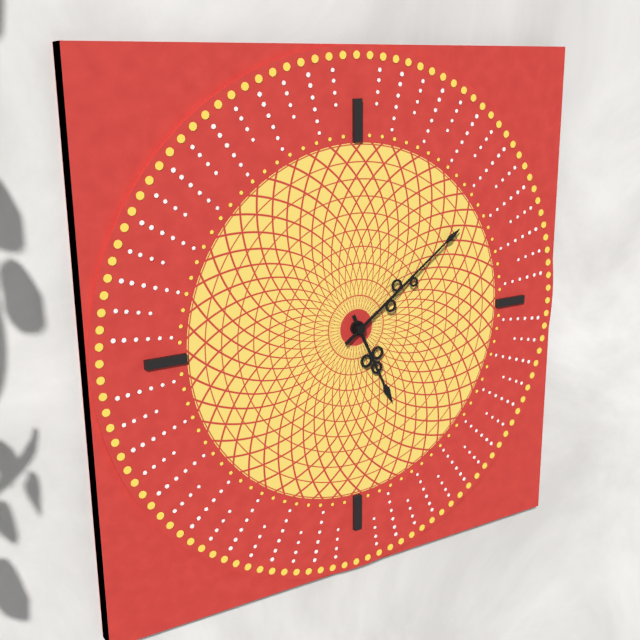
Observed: 5,09
